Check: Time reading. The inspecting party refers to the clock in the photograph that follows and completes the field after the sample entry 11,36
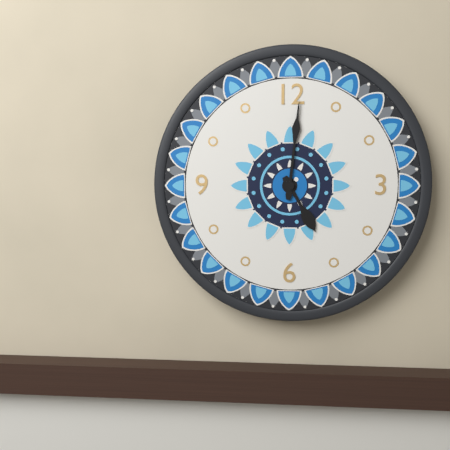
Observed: 5,01
